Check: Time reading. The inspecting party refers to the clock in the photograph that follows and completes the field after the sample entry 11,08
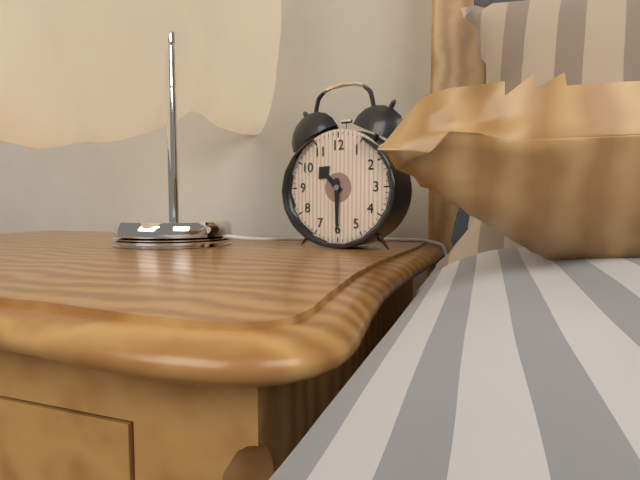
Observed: 10,30
